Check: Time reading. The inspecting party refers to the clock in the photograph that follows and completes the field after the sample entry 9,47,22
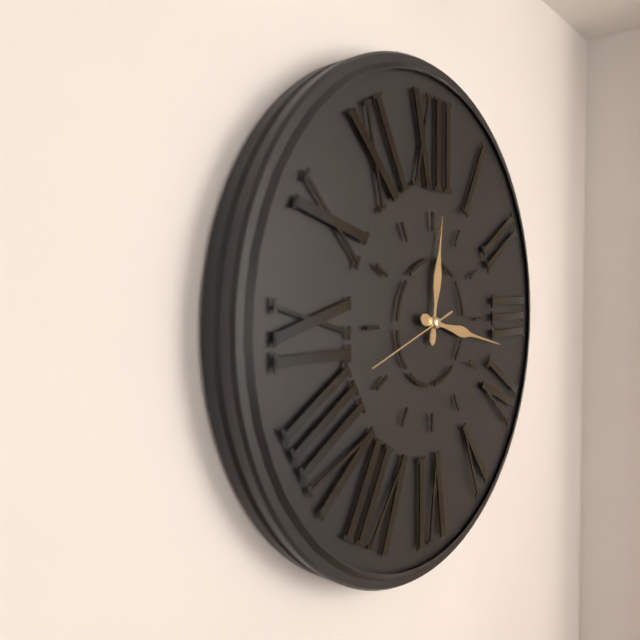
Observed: 12,17,42
